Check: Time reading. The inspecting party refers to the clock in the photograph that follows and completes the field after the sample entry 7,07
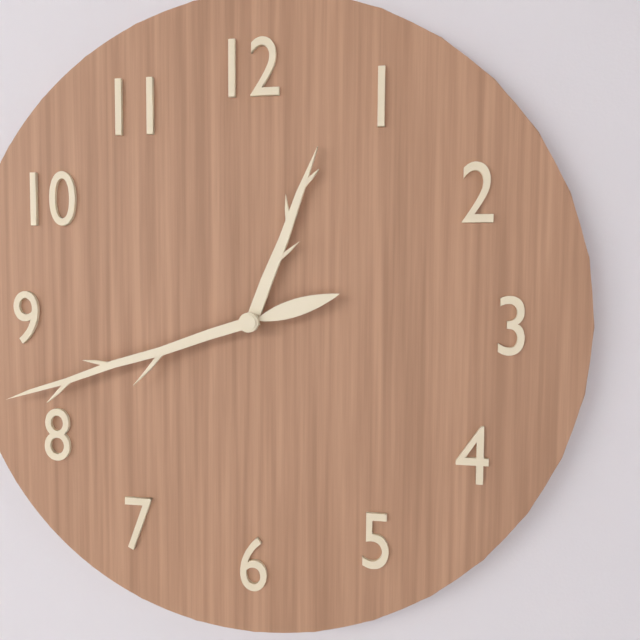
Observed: 12,42
